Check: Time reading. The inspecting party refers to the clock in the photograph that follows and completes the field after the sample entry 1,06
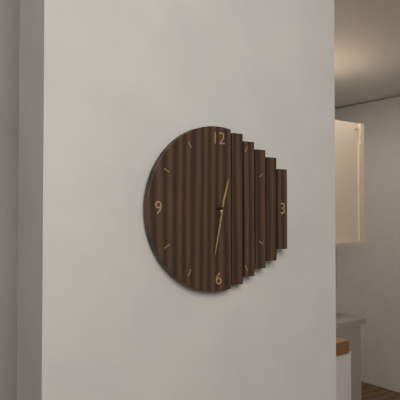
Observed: 12,32
